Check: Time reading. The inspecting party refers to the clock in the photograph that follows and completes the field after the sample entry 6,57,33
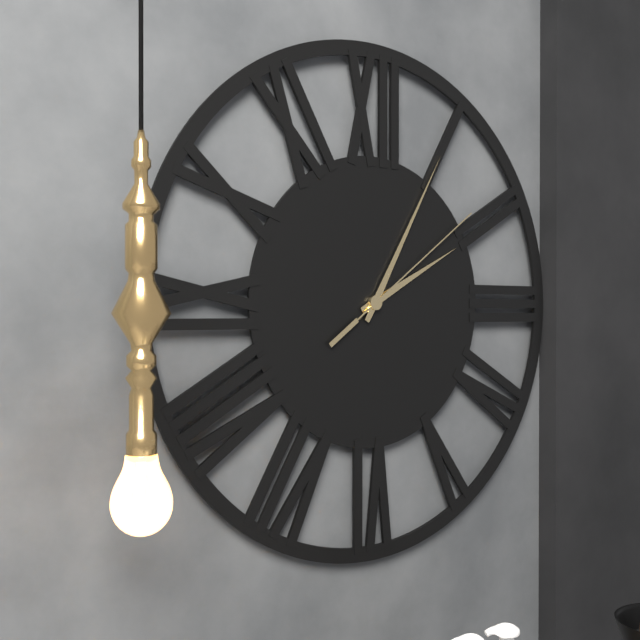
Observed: 2,05,09
